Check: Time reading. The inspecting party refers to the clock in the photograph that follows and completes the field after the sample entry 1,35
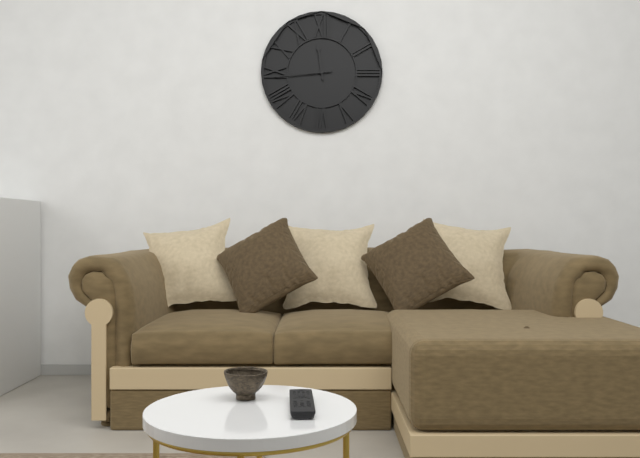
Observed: 11,44
